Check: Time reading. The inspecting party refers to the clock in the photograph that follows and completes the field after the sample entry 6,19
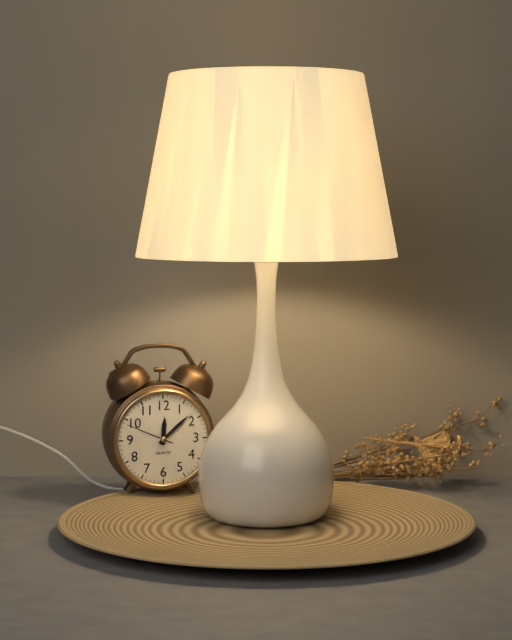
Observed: 12,08
